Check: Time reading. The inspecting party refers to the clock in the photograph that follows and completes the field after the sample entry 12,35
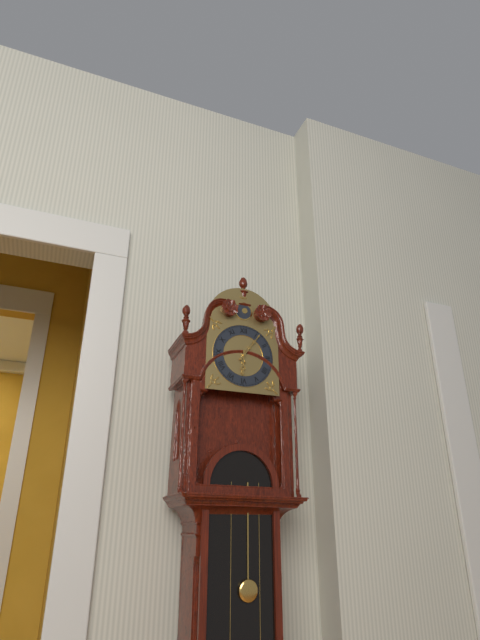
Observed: 6,06
